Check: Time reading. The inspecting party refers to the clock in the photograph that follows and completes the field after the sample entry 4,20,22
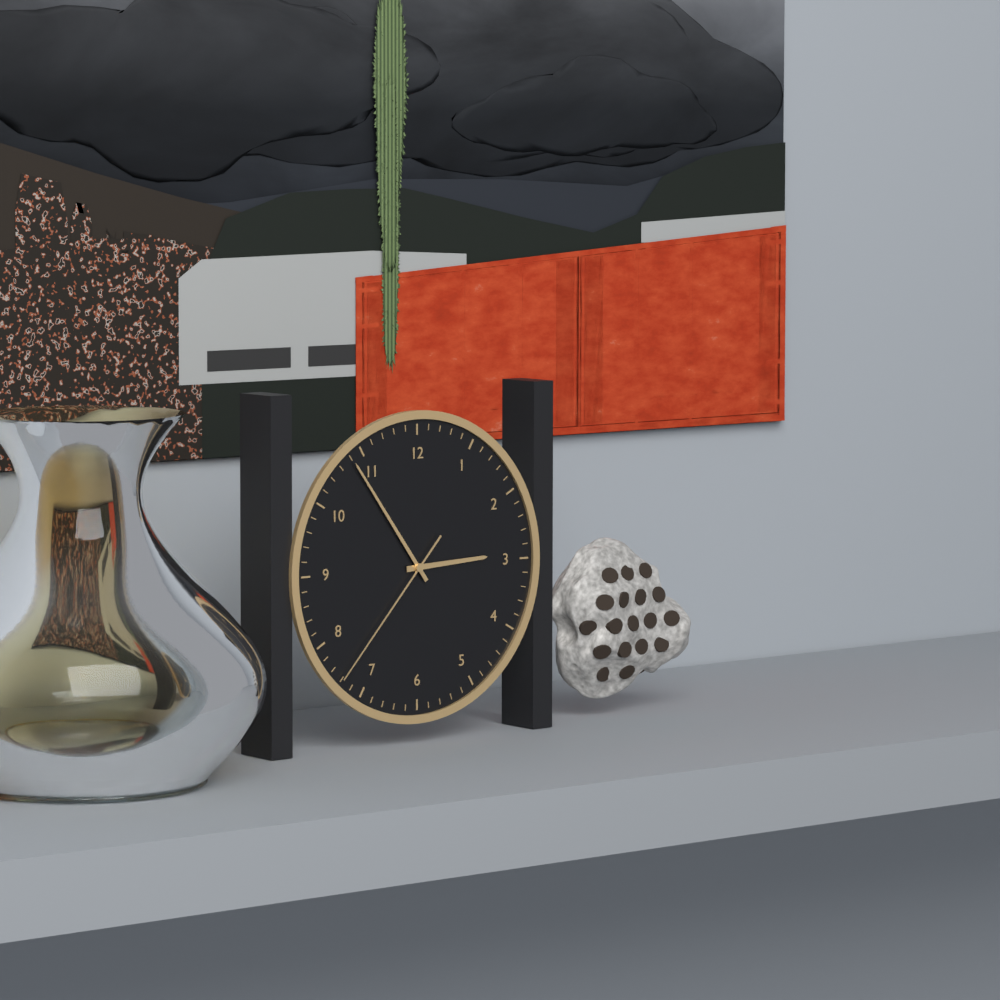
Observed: 2,54,37
